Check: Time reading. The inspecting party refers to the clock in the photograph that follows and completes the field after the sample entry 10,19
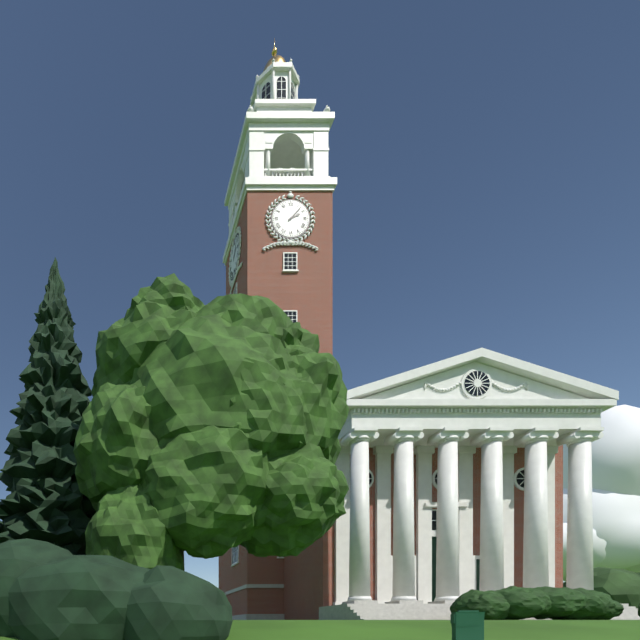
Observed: 2,07
